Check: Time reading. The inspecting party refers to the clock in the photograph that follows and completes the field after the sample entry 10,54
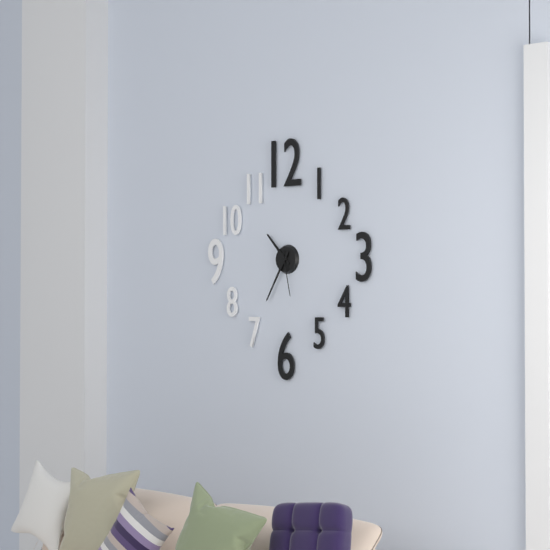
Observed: 10,35
